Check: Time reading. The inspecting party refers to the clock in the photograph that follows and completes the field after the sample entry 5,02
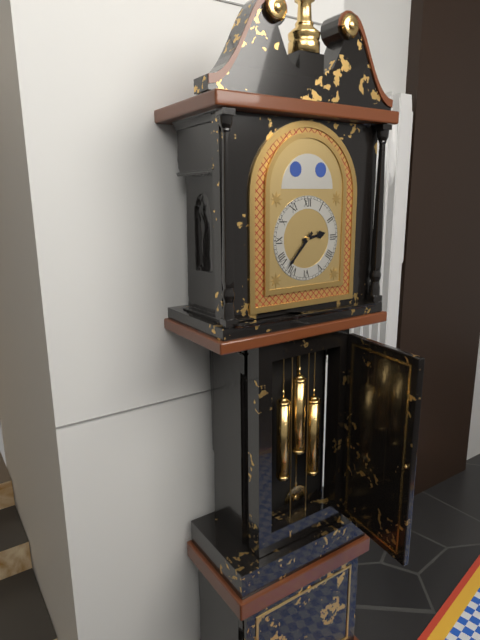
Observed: 2,37
